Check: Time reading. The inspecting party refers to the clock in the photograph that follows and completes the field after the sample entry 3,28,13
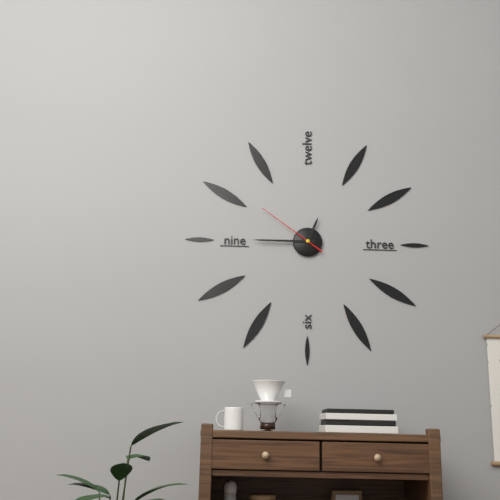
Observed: 12,45,51
